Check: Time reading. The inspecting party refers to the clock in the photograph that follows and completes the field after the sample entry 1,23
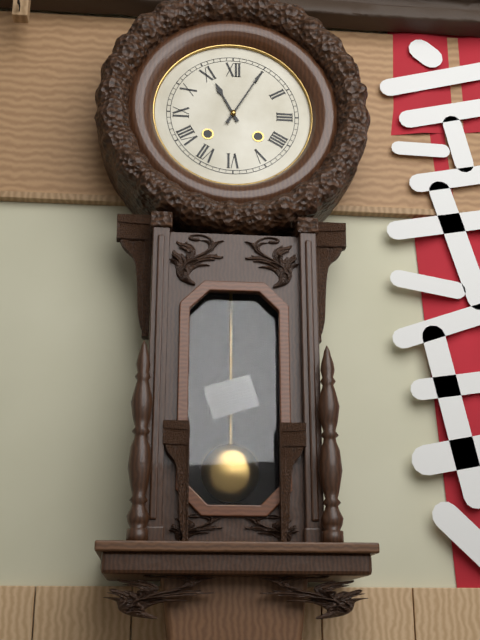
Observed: 11,05
